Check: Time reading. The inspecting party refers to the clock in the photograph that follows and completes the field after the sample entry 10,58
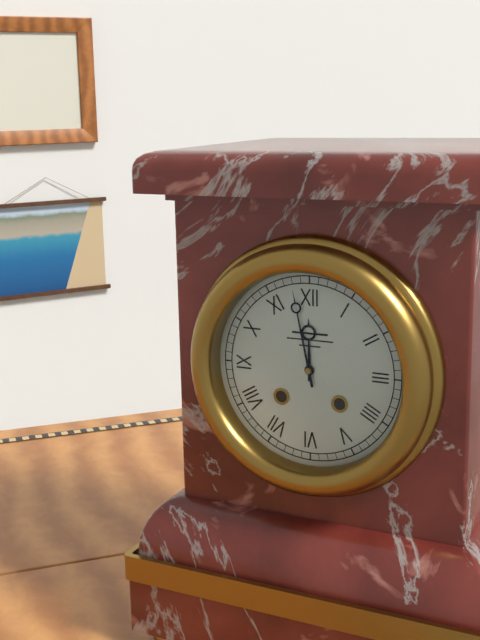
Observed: 11,58
